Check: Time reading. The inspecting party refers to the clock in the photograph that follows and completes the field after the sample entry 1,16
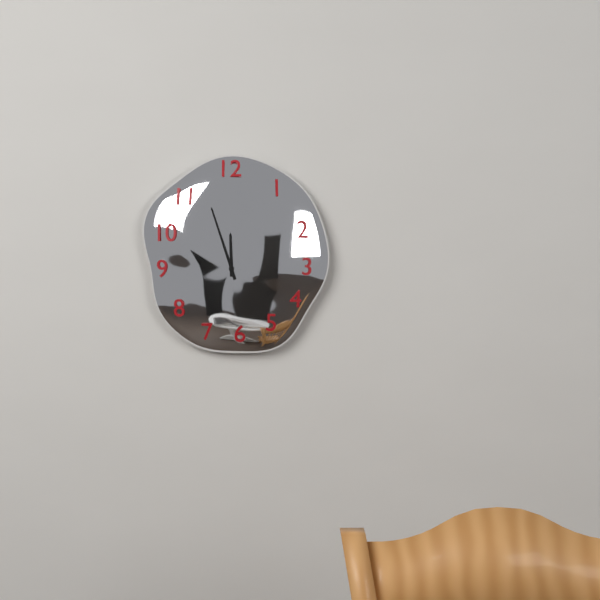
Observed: 11,57
